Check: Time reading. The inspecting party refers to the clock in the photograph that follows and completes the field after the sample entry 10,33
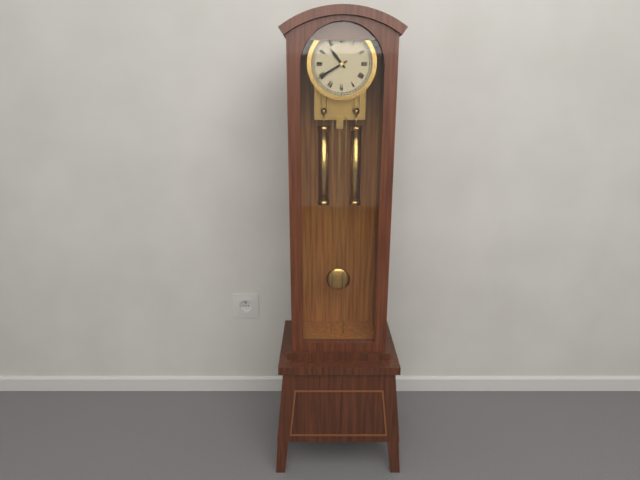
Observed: 10,40
